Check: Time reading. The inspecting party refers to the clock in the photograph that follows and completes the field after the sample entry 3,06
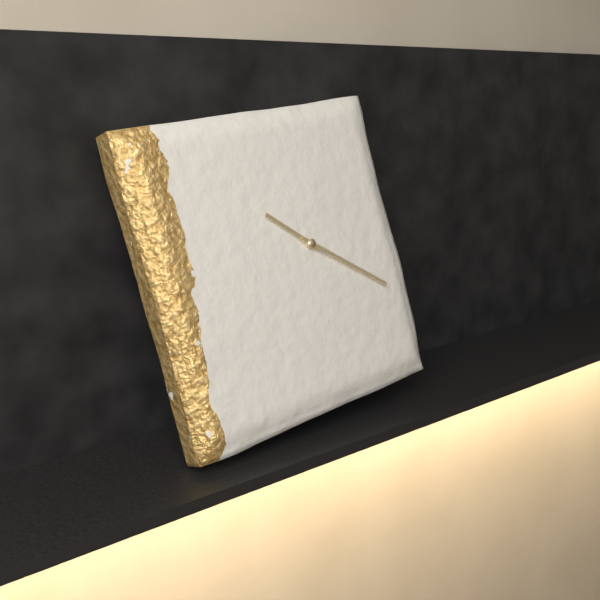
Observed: 10,21
